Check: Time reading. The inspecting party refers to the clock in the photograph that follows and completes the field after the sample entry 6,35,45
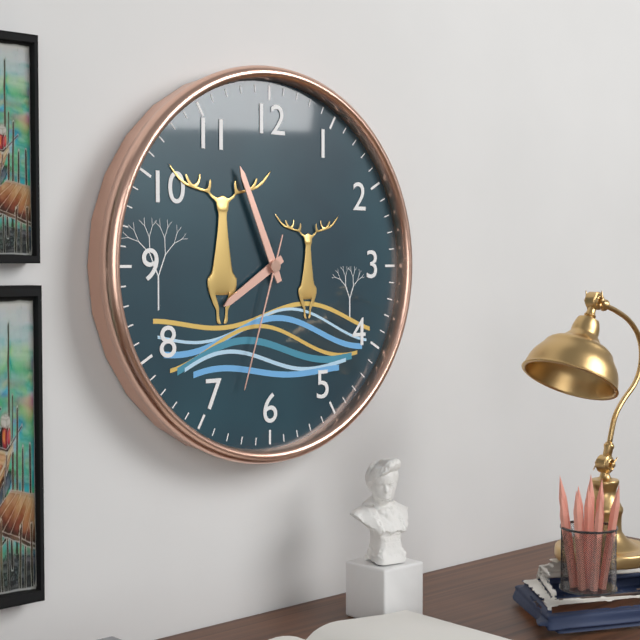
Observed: 7,56,33
